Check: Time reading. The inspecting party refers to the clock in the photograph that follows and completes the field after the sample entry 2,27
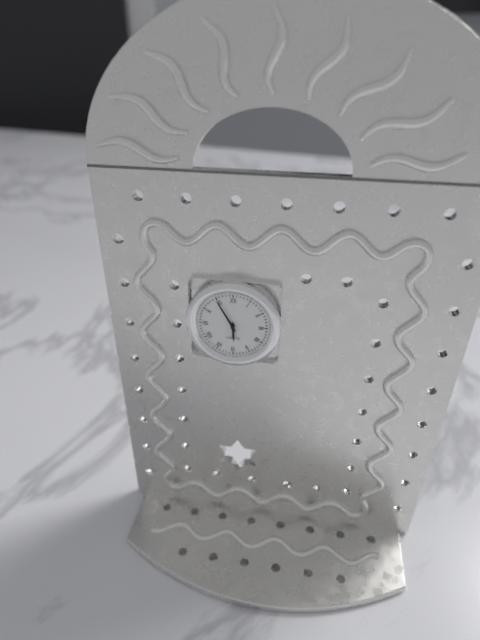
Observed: 5,55
